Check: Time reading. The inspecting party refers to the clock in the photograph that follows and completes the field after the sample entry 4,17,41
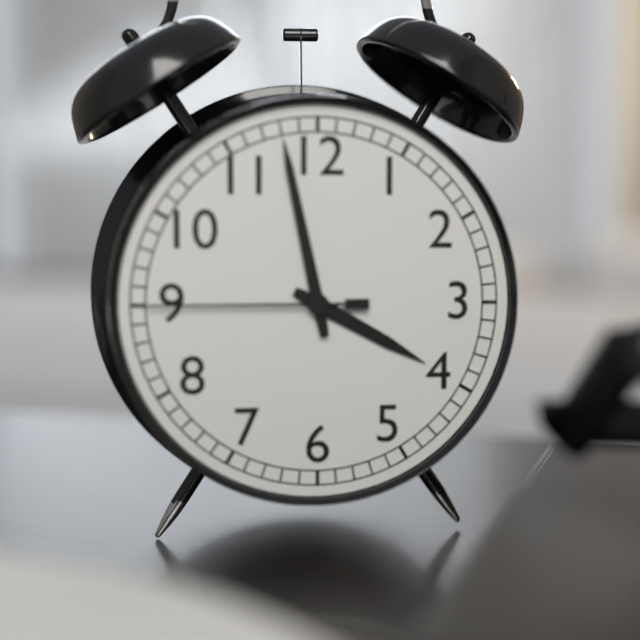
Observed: 3,58,45
